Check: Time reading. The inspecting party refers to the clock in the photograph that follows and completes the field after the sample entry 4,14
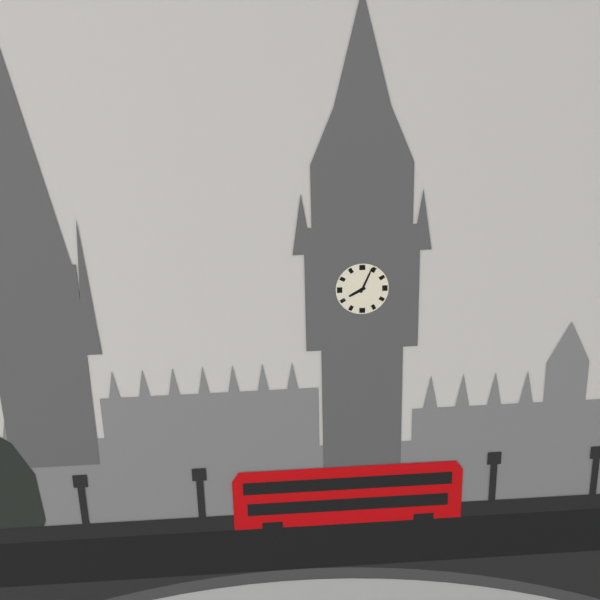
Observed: 8,04
